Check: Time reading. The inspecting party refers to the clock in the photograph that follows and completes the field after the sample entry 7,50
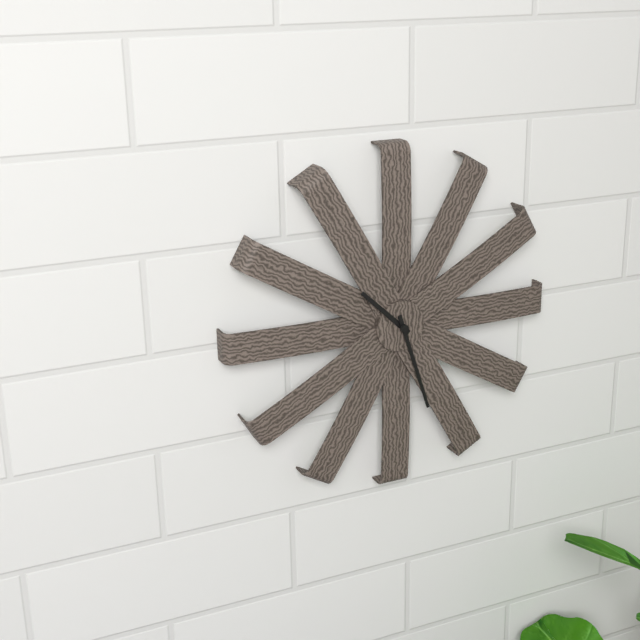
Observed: 10,27
